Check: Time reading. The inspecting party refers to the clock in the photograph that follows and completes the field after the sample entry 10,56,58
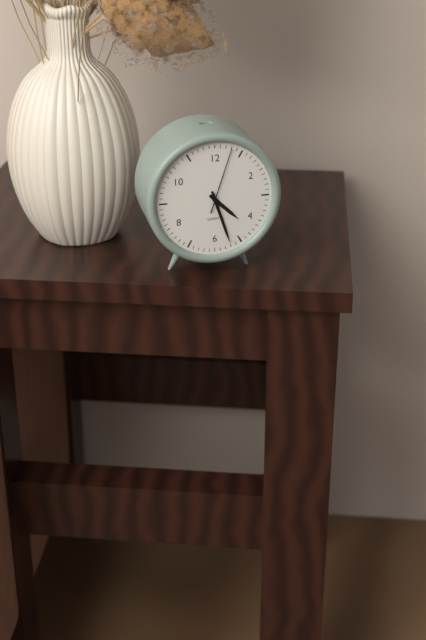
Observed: 4,27,03
